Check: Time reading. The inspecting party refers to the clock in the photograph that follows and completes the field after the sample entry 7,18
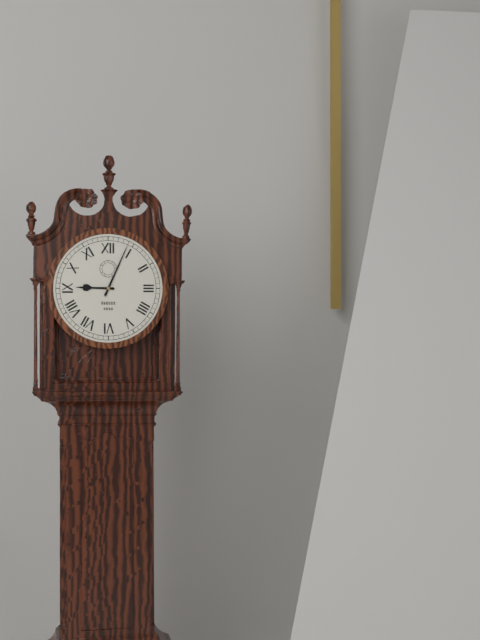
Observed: 9,04
